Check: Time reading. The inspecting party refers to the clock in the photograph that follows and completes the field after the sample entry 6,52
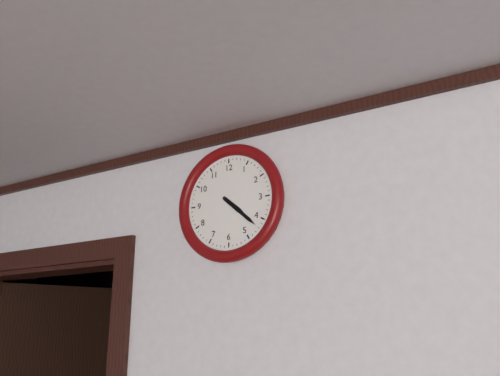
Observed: 4,22
